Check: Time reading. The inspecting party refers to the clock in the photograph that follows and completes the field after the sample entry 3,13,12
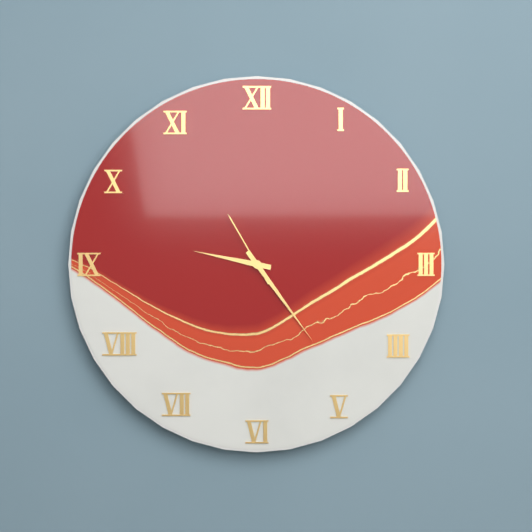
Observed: 9,24,55
